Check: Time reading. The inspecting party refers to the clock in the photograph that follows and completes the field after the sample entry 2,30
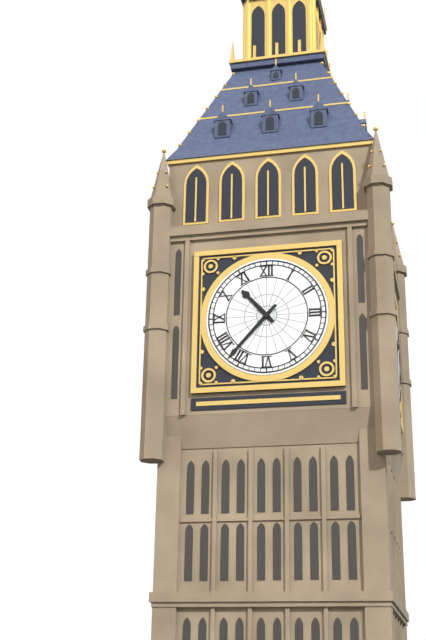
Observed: 10,37
